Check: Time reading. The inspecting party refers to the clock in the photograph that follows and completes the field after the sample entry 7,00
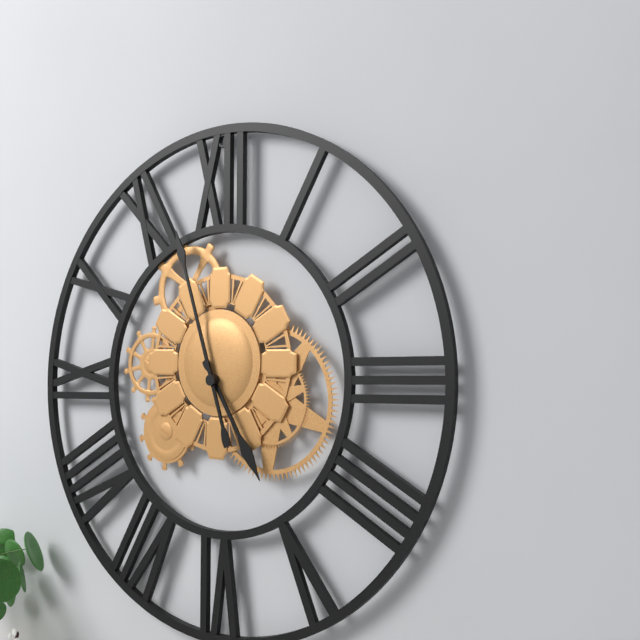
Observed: 4,57
